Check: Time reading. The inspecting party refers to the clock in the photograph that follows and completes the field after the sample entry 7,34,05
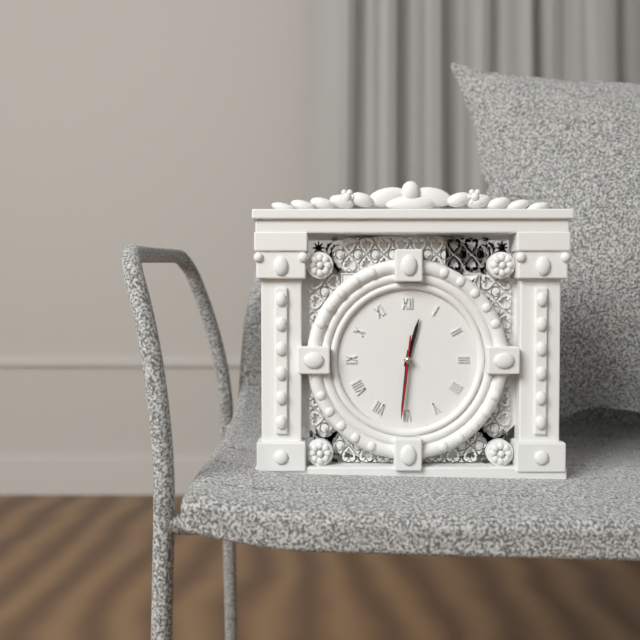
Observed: 12,31,31
